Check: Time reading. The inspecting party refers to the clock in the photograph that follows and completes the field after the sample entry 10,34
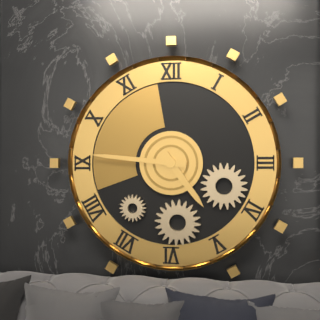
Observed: 4,46
